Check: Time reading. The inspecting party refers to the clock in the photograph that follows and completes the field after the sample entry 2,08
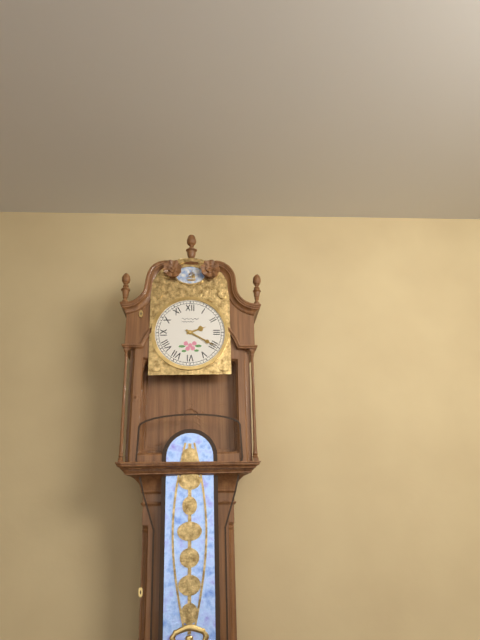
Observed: 2,20
